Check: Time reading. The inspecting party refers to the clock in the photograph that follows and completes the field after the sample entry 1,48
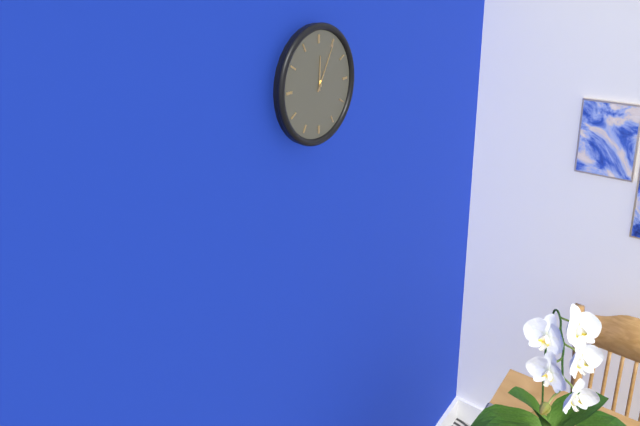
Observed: 12,05
